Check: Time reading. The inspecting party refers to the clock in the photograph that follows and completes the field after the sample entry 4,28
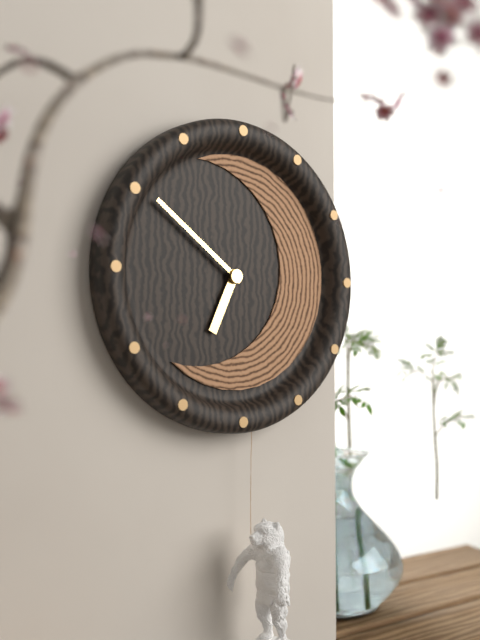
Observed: 6,51
